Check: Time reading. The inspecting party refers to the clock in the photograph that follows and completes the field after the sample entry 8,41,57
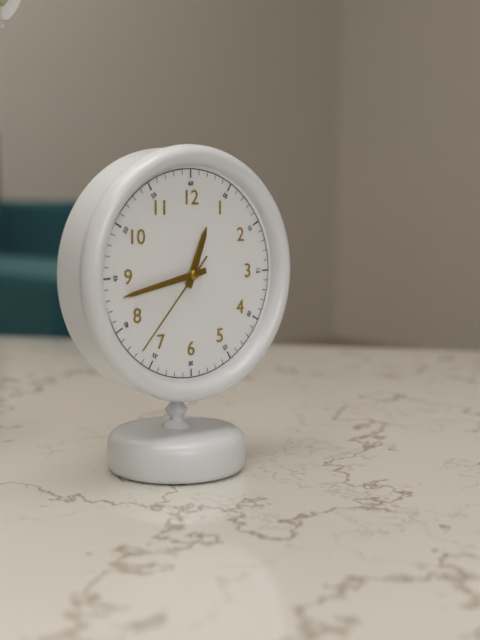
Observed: 12,43,37
